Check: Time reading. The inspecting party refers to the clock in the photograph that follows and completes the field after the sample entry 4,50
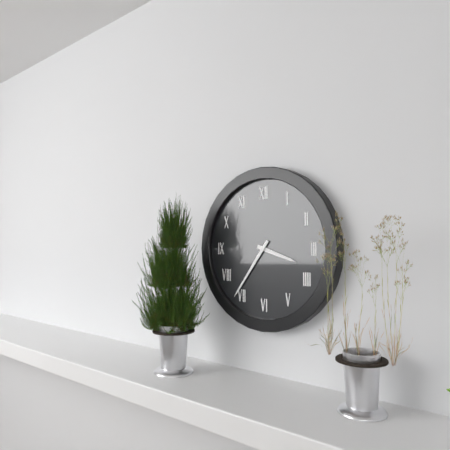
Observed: 3,36
